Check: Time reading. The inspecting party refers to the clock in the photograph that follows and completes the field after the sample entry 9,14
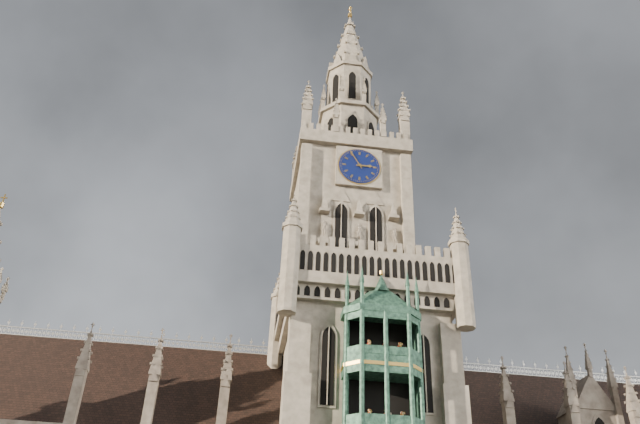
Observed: 2,55
